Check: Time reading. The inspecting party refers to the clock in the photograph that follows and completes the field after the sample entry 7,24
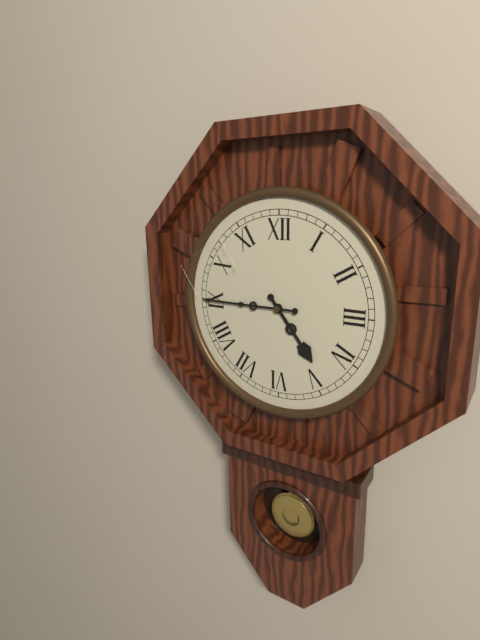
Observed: 4,45
